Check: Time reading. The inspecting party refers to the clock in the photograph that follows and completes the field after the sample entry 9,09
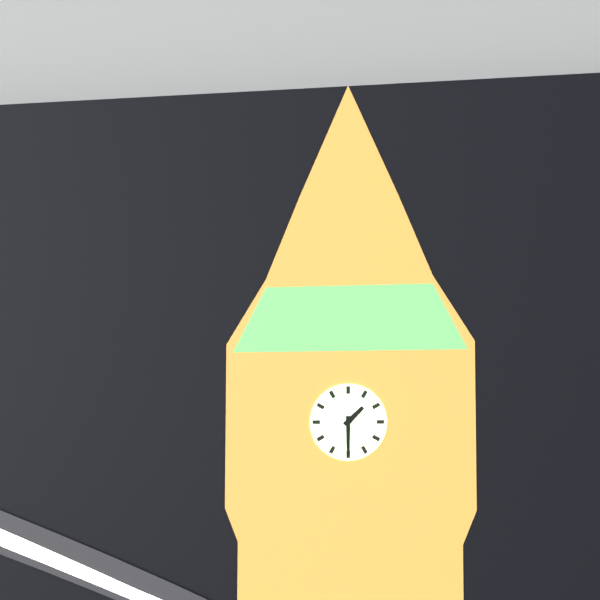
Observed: 1,30
